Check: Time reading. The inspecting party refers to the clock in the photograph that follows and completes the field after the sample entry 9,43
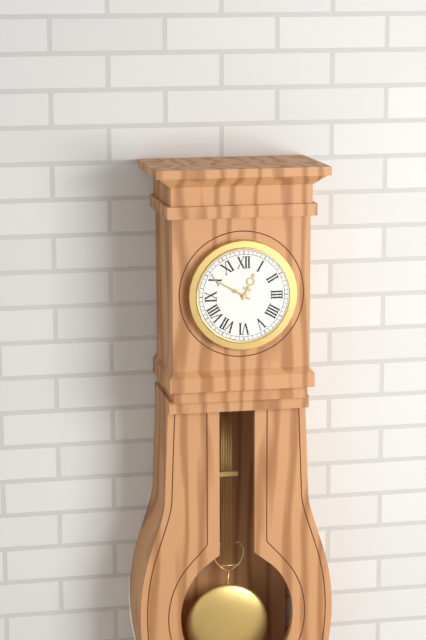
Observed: 12,50
